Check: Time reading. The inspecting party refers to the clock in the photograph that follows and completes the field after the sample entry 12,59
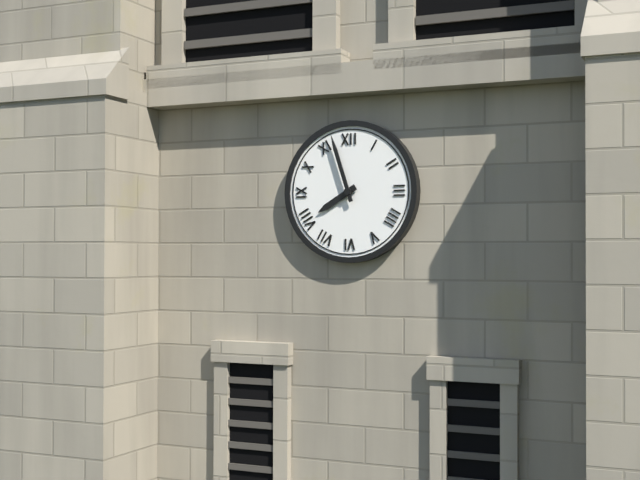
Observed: 7,57
